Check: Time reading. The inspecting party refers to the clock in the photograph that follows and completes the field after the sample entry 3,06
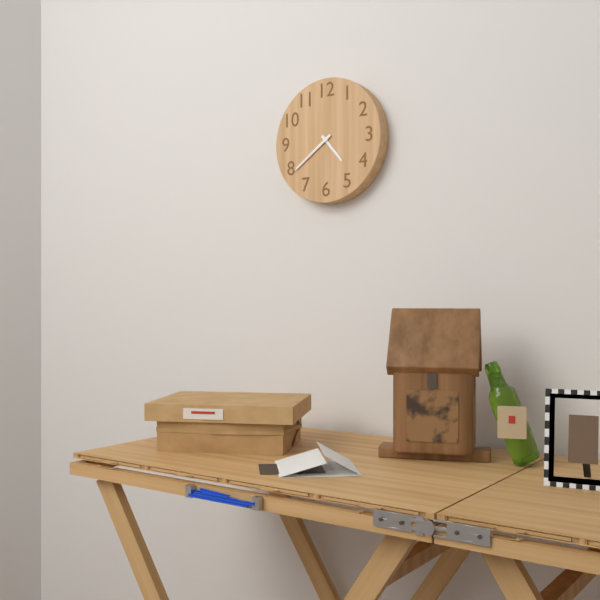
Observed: 4,39
